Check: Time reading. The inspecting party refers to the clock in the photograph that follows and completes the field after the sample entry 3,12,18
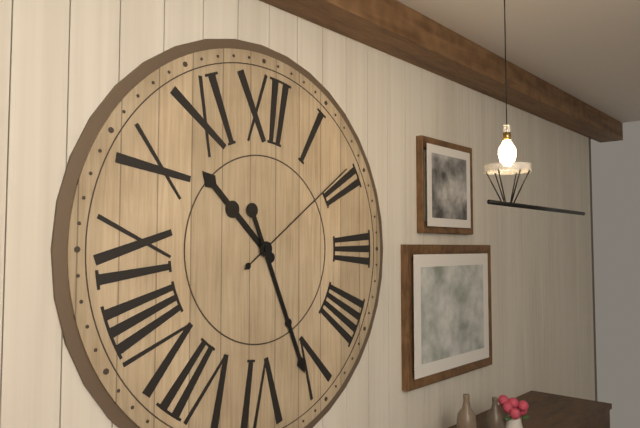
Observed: 10,26,09
